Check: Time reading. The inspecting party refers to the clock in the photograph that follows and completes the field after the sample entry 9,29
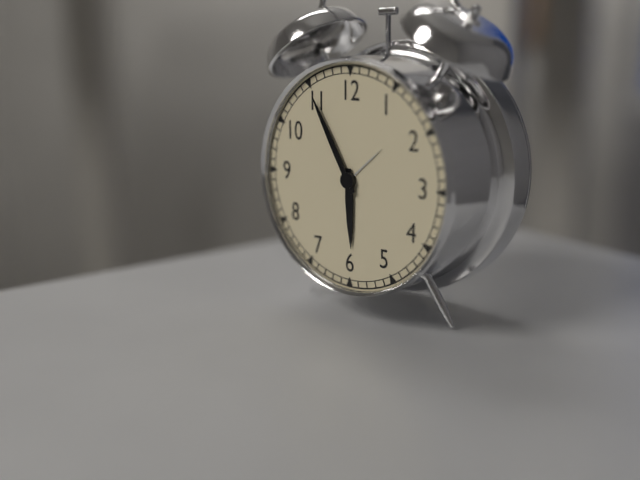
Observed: 5,55
